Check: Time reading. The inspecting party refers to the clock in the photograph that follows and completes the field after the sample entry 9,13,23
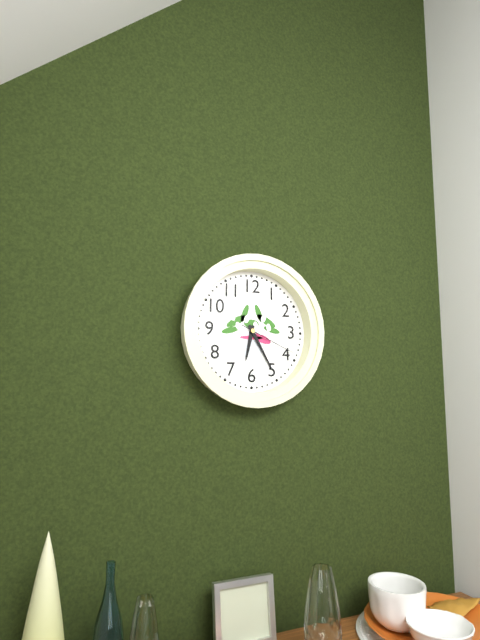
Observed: 6,25,19
